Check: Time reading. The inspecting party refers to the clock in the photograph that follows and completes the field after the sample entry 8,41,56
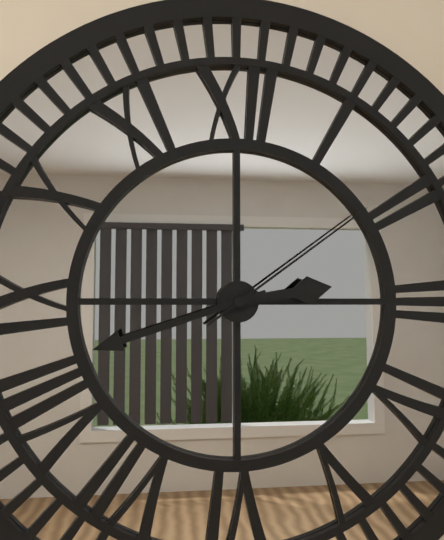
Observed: 2,42,09
